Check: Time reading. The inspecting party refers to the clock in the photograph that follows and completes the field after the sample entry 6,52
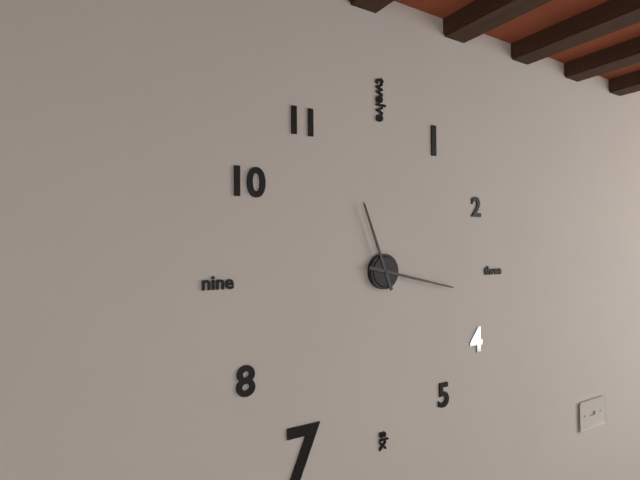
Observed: 11,17
